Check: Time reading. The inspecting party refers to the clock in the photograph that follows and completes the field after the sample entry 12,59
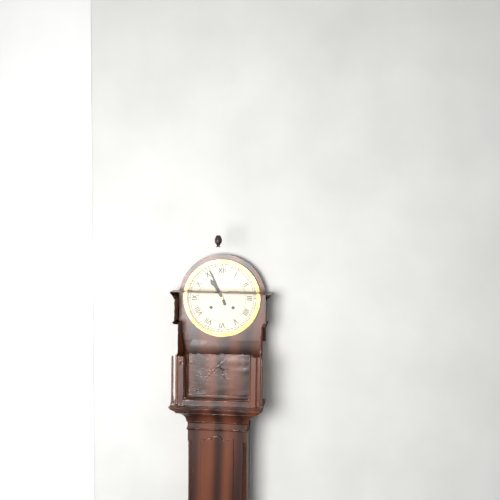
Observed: 10,56
